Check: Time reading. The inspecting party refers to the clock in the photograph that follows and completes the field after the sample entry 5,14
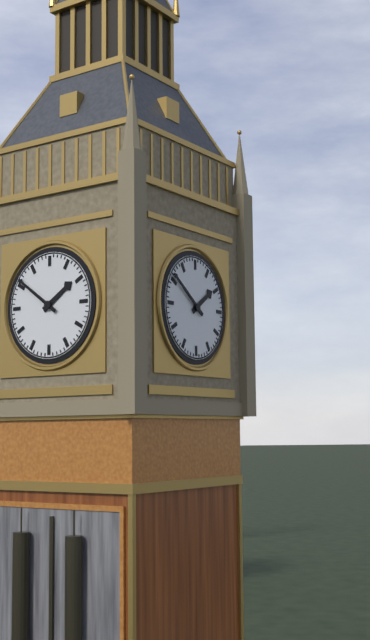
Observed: 1,51
